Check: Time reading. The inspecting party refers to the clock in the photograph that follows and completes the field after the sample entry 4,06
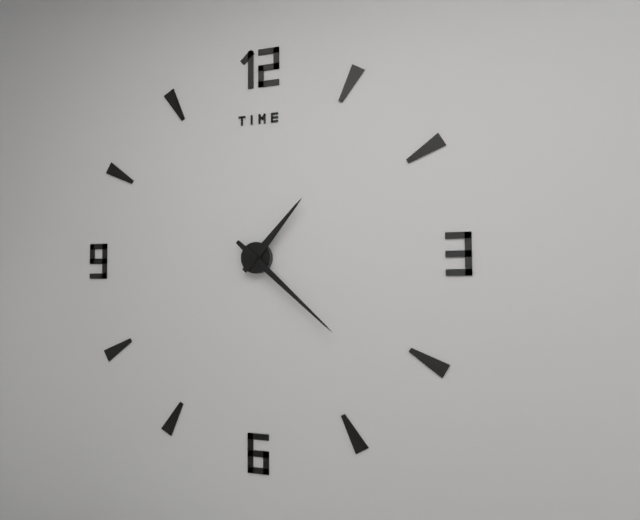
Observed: 1,22
